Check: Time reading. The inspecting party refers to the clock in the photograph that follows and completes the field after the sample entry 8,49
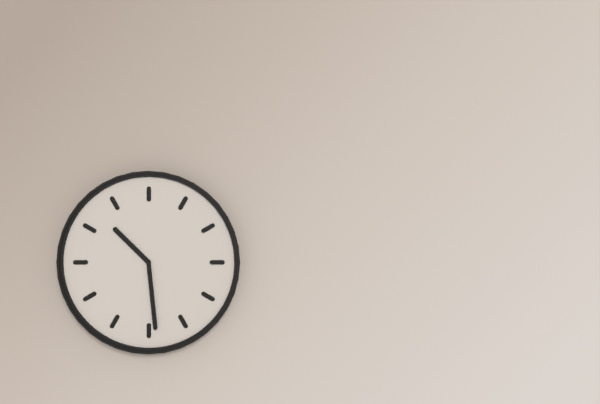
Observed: 10,29
